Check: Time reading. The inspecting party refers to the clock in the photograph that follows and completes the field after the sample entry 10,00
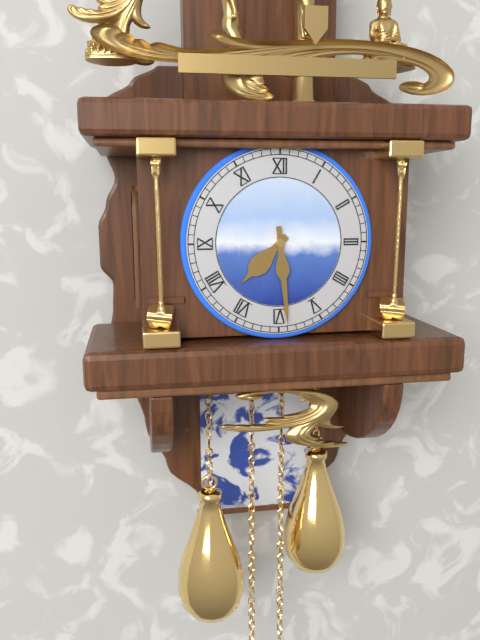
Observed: 7,29
